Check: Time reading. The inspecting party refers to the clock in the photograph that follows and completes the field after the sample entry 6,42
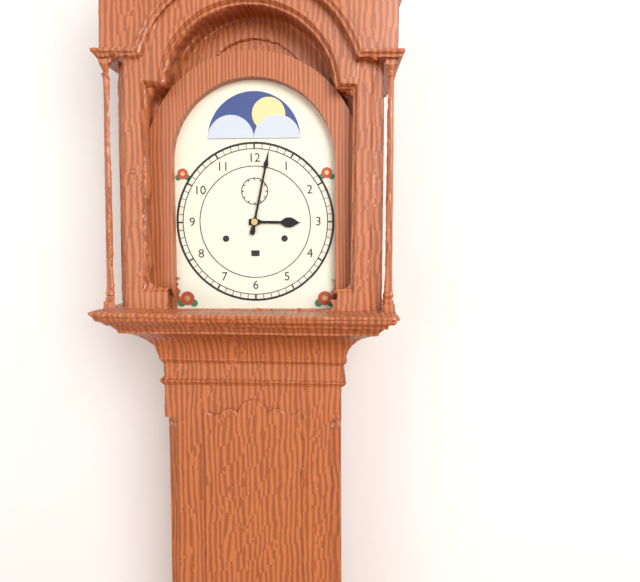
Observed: 3,02
